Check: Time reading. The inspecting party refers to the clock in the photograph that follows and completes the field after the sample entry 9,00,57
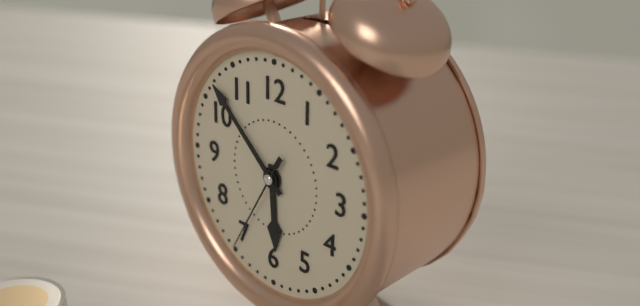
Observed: 5,52,35
